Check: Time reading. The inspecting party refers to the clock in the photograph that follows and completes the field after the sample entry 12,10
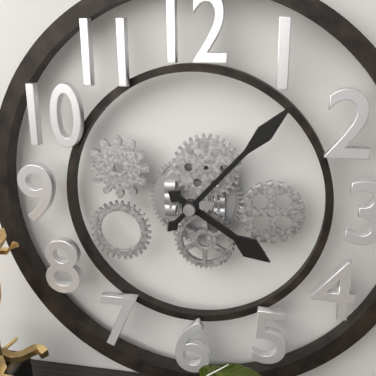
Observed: 4,07
